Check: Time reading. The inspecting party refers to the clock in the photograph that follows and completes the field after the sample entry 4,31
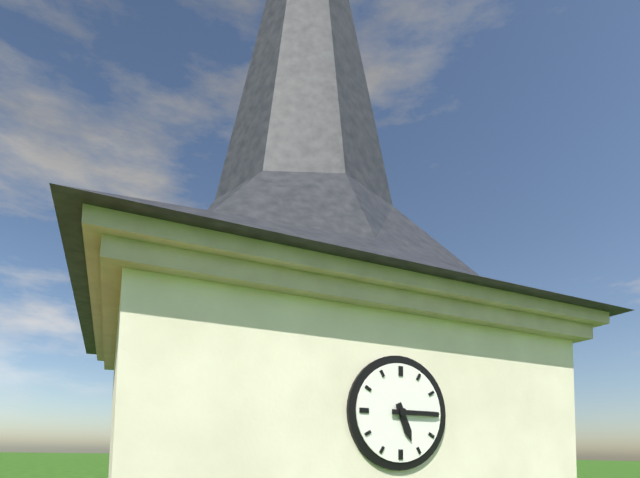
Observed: 5,15
